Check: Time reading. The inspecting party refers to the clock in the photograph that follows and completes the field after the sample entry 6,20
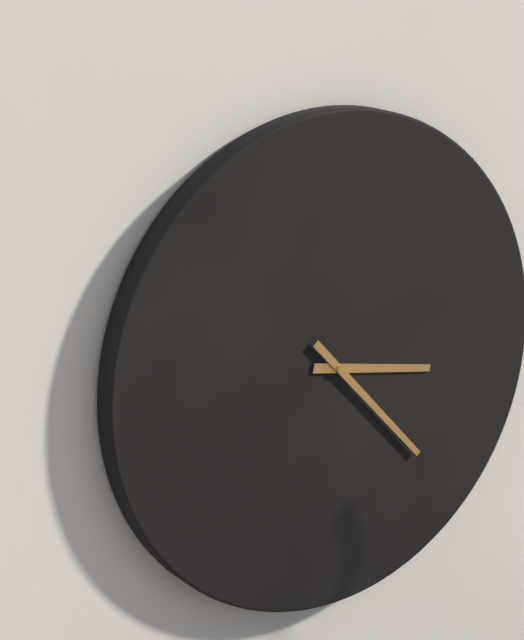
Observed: 3,23
